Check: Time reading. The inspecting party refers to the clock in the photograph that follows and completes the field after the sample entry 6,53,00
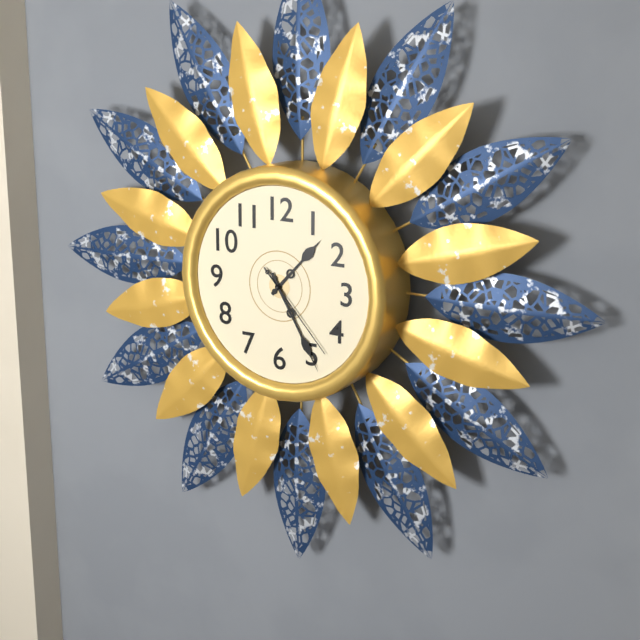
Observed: 1,25,23
